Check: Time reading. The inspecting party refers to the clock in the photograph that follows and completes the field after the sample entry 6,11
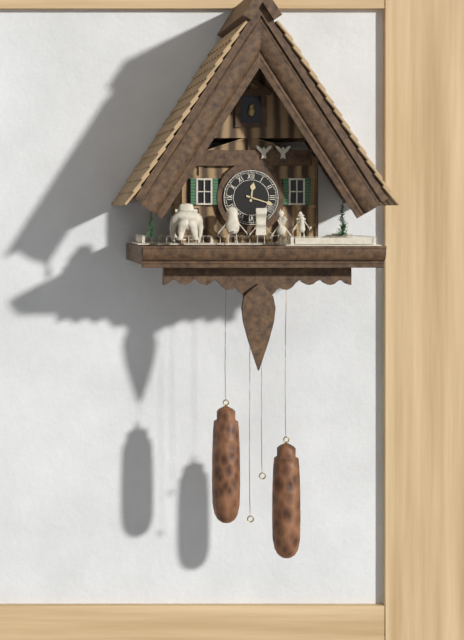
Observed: 12,18
